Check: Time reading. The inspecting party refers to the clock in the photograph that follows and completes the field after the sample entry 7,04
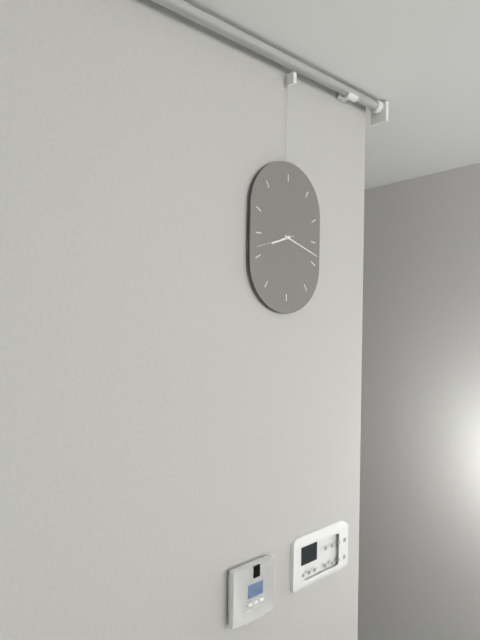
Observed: 8,18
